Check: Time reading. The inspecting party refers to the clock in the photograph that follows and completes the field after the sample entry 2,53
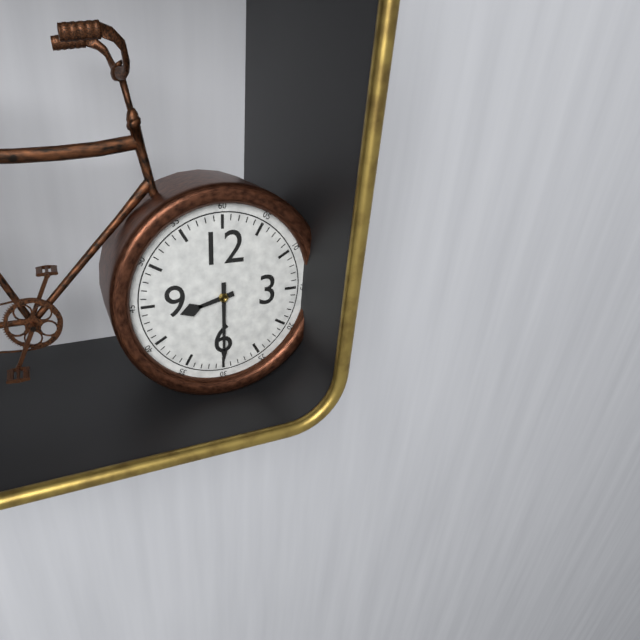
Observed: 8,30
